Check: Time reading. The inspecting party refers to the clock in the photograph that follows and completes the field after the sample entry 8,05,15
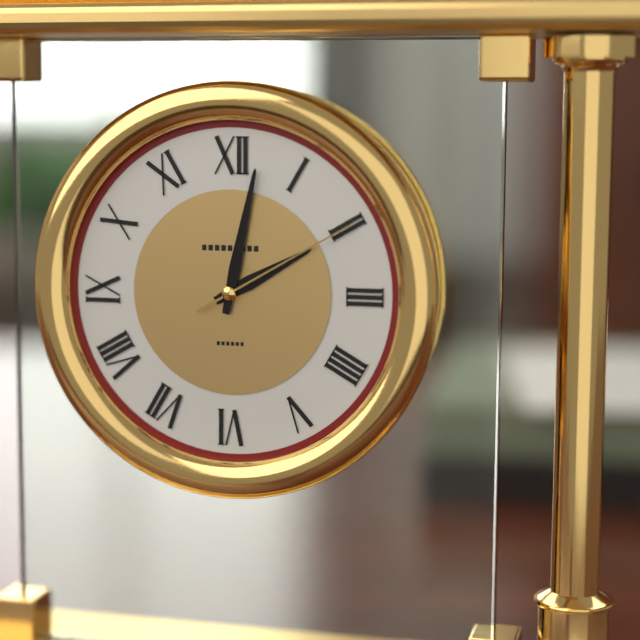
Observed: 2,02,10
